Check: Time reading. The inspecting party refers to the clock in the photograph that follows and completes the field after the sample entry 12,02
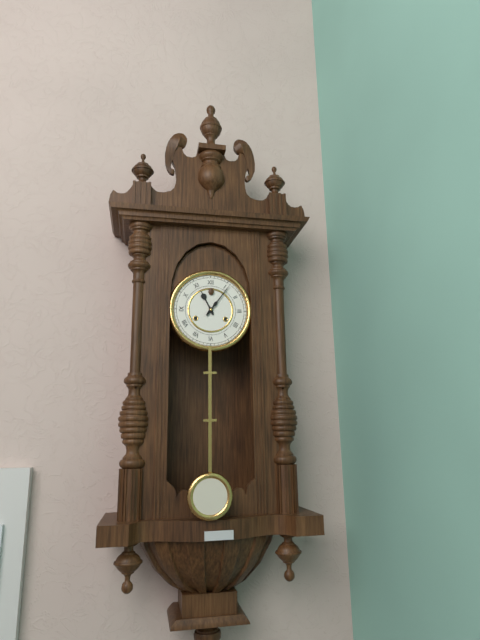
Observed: 11,06
